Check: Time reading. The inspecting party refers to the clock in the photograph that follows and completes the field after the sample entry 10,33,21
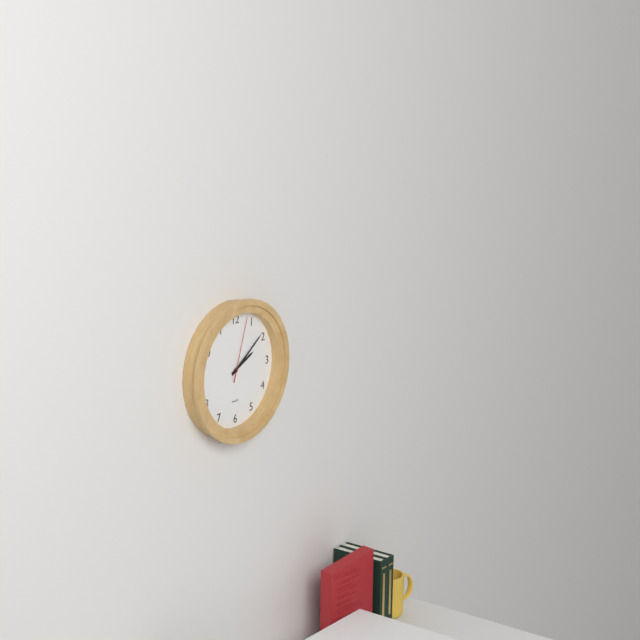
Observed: 2,09,03
